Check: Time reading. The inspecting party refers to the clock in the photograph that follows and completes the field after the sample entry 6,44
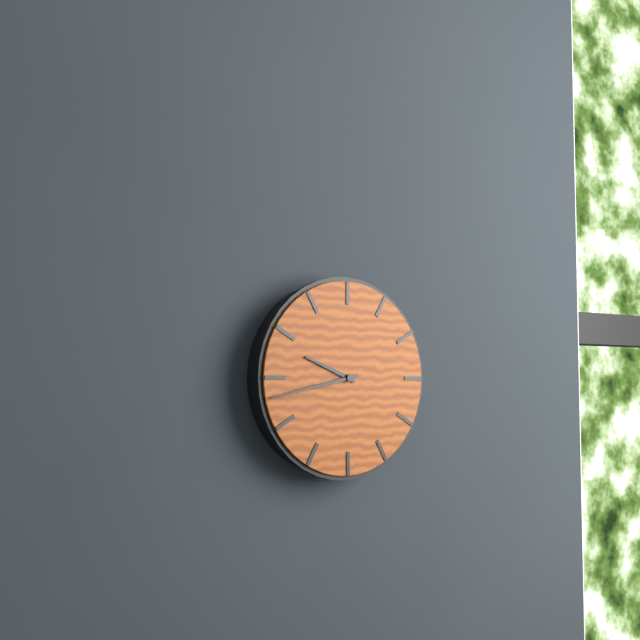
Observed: 9,43
